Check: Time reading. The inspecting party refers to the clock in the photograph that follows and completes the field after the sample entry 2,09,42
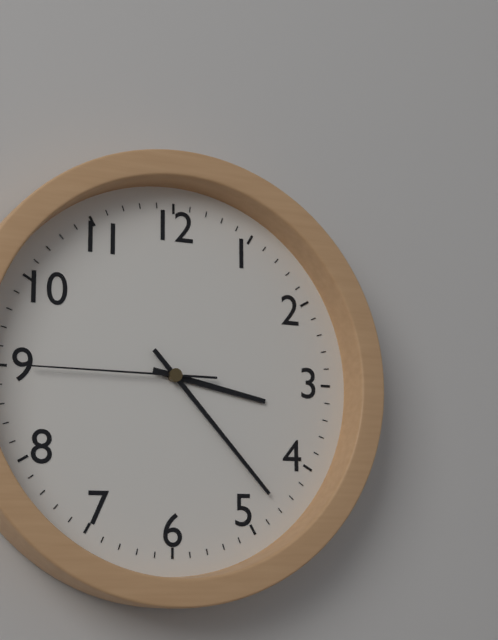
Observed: 3,23,45
